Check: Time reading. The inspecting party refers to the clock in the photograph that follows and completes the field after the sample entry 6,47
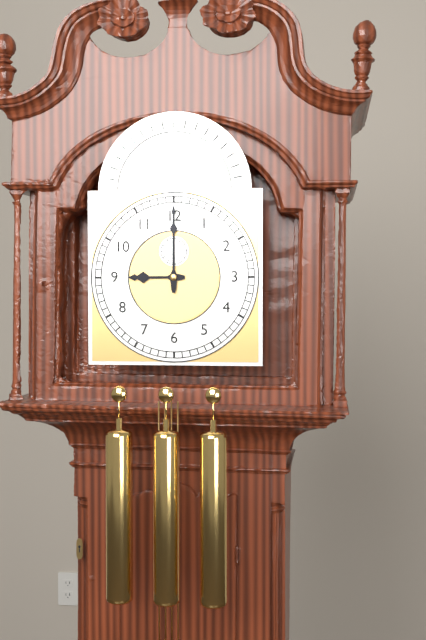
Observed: 9,00
